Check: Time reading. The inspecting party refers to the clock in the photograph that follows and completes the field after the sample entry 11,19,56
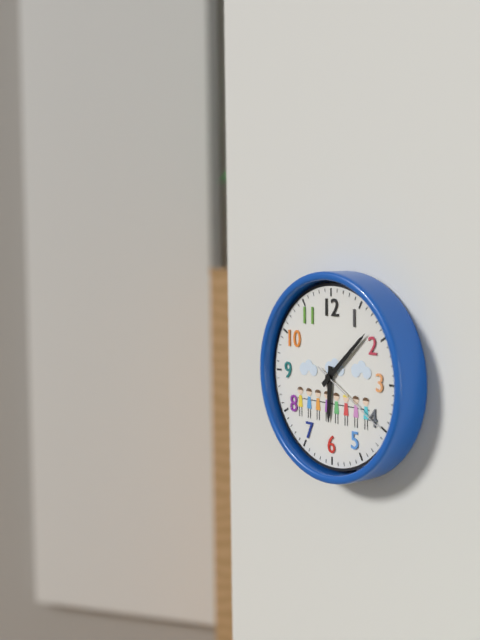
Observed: 6,08,20
